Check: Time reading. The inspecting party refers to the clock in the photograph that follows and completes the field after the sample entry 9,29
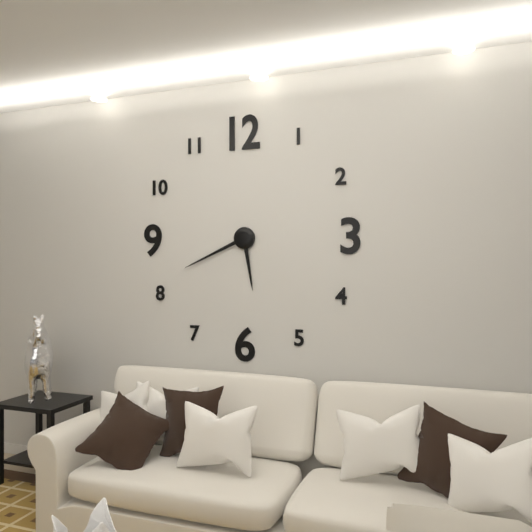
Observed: 5,41
